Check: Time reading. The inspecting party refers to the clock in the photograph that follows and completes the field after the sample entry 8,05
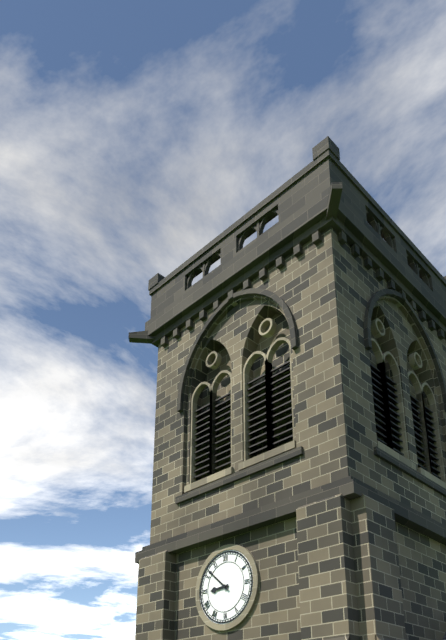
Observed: 8,52
